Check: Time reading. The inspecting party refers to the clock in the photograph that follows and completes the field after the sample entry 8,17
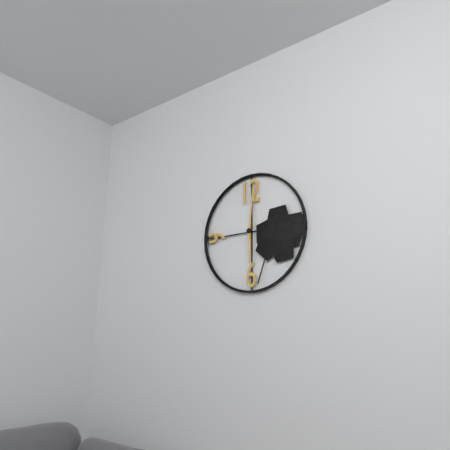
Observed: 6,01
